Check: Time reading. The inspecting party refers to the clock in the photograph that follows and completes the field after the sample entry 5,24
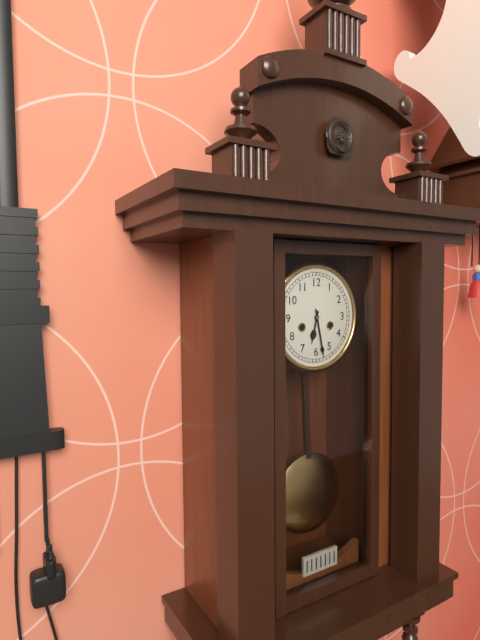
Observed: 6,28
